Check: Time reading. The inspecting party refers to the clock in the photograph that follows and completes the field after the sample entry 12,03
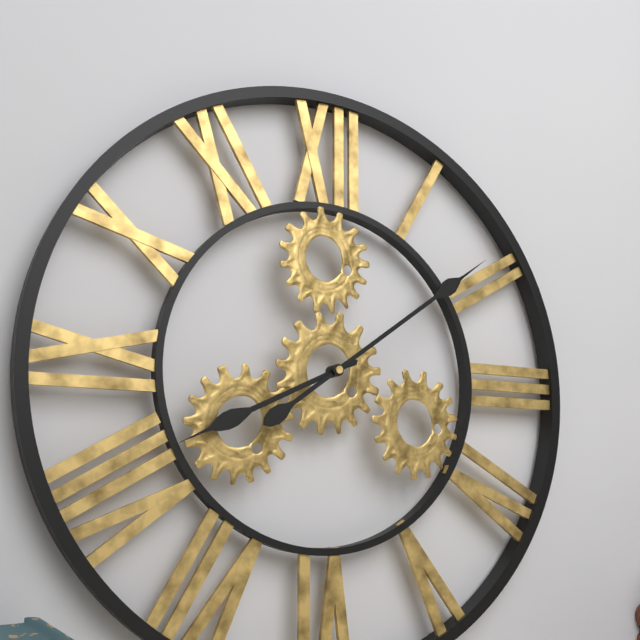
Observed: 8,09
